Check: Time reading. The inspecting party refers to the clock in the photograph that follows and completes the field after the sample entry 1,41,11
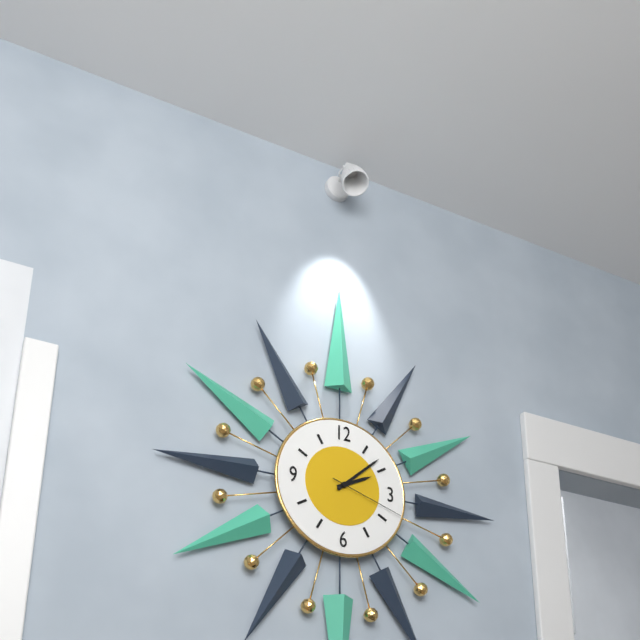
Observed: 2,08,18
